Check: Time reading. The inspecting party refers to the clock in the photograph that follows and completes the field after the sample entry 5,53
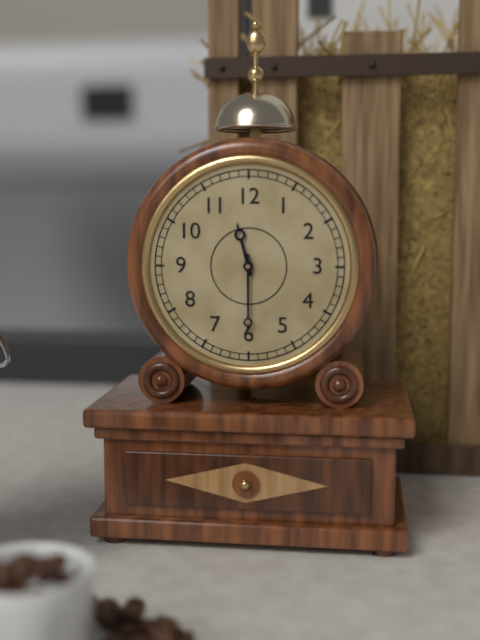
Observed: 11,30
